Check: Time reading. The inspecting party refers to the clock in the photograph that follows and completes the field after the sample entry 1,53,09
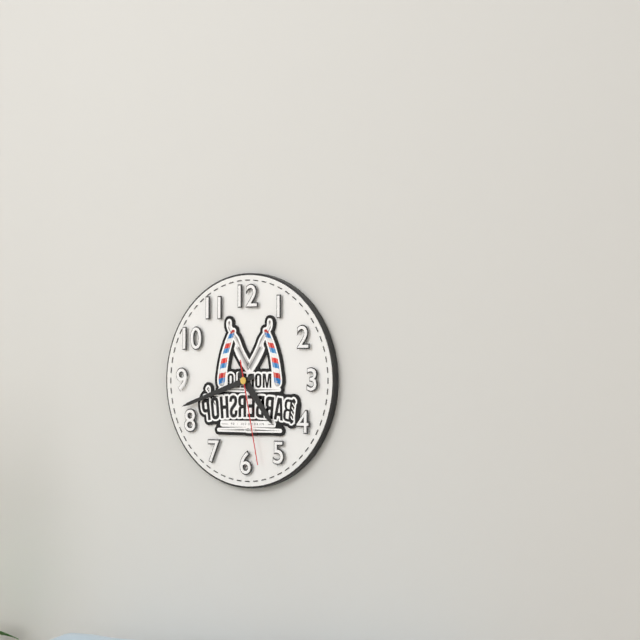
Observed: 4,42,28
